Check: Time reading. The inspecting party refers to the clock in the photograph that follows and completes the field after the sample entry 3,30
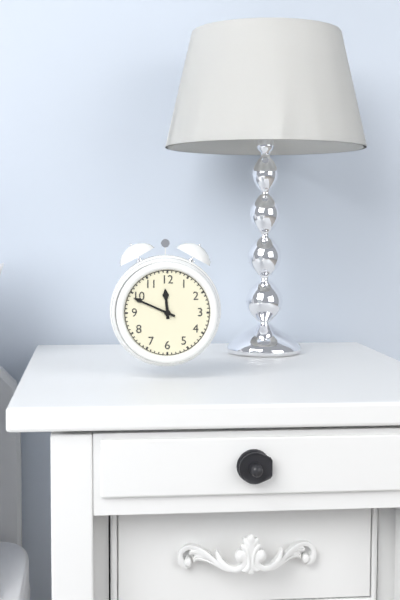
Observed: 11,49
